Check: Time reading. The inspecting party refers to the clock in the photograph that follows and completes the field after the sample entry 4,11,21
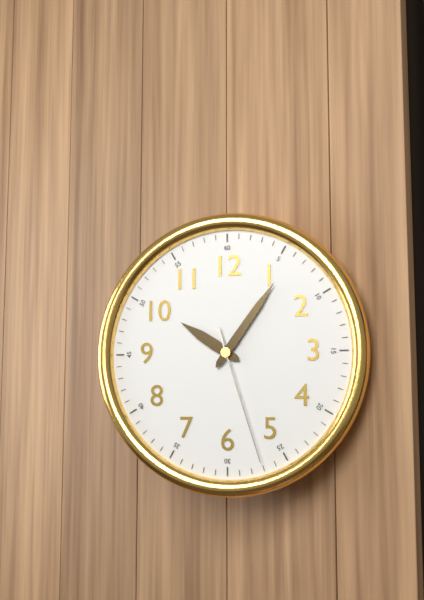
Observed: 10,06,27
